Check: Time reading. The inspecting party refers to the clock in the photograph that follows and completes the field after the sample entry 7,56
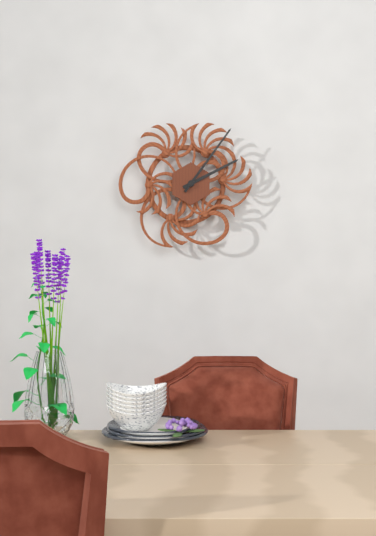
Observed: 2,06
